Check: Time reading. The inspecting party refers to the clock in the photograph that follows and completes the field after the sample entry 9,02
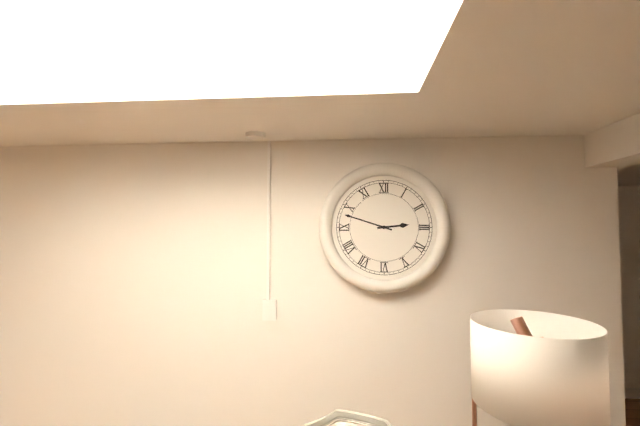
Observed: 2,48
